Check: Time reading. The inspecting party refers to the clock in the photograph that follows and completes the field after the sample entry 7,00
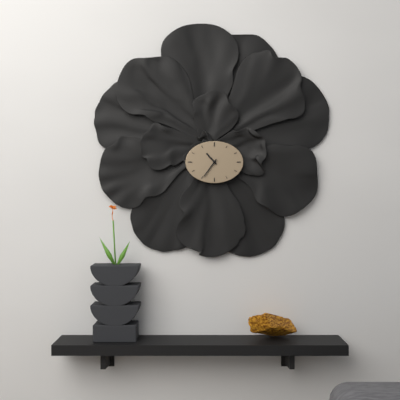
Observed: 10,36
